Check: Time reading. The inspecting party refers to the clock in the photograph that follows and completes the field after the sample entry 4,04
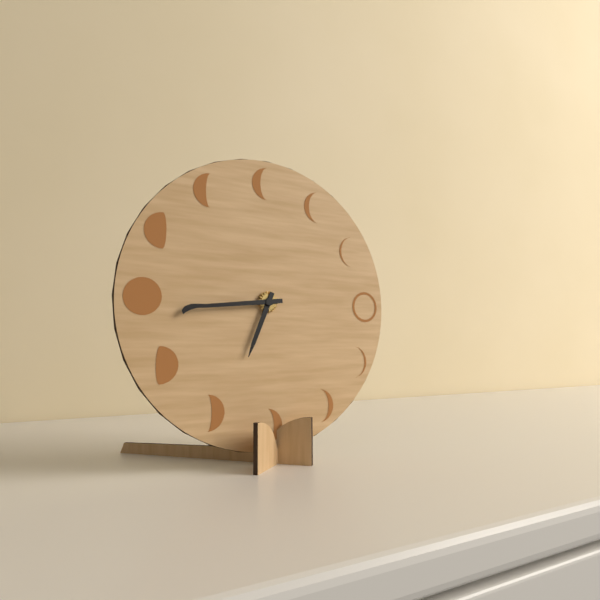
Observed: 6,44
